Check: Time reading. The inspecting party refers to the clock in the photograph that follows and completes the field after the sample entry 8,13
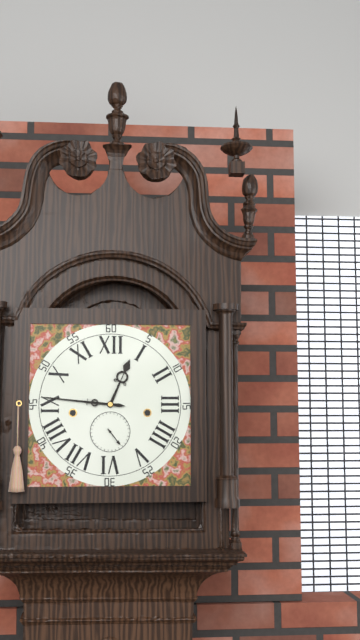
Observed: 12,46
